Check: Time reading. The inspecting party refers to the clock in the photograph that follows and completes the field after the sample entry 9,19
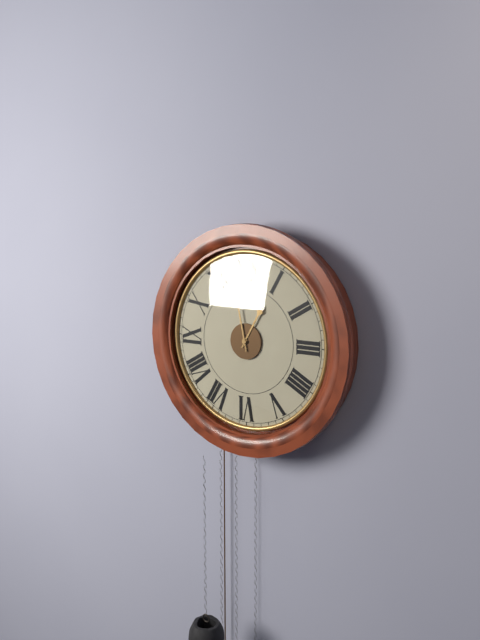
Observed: 12,58
